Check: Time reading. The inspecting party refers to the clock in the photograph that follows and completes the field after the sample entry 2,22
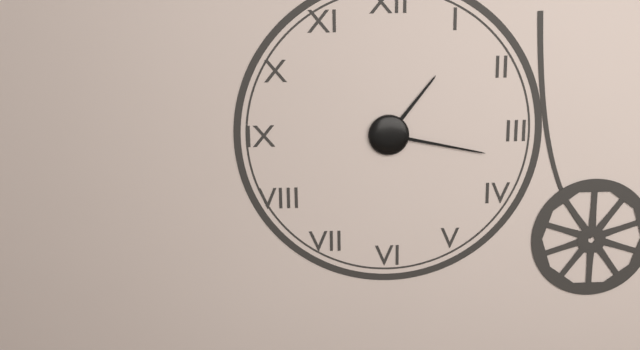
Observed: 1,17
